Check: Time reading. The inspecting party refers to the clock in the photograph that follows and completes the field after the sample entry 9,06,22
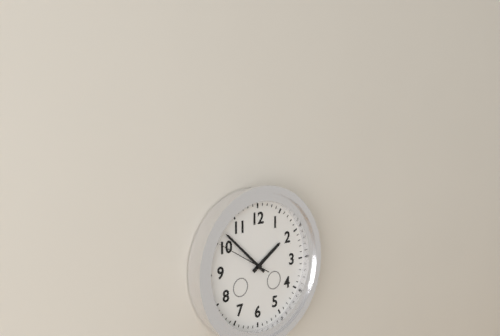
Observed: 1,52,50
